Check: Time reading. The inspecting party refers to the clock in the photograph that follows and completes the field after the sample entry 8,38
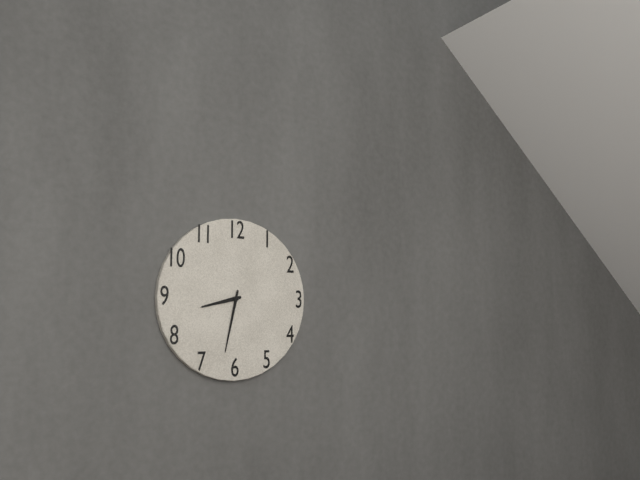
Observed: 8,32
